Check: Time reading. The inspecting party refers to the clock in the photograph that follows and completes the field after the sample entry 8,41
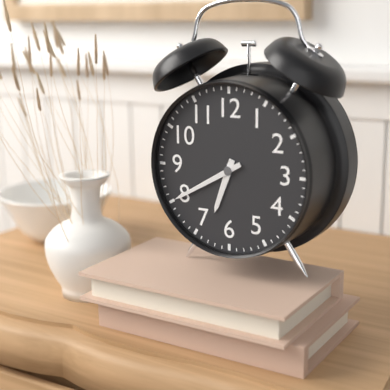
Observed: 6,40
